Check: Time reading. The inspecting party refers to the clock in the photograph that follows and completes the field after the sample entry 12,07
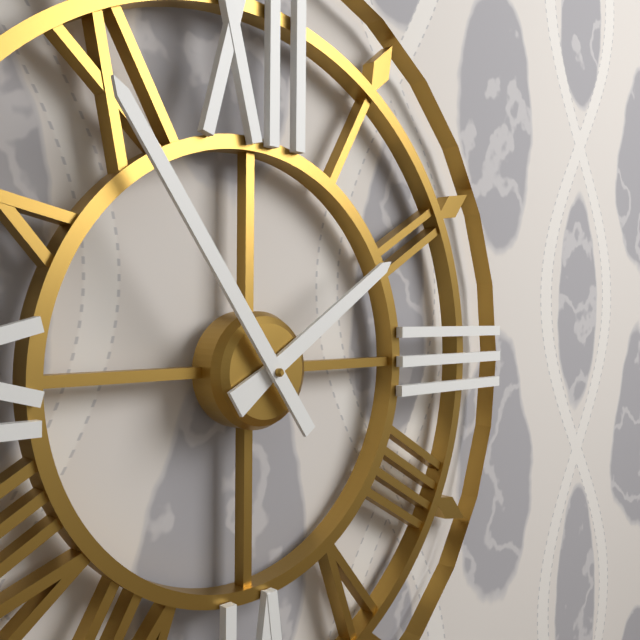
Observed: 1,54
